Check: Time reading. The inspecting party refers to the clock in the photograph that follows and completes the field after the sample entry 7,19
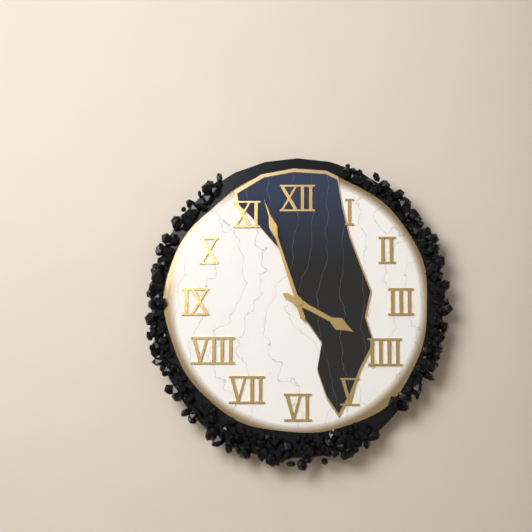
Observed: 3,57
